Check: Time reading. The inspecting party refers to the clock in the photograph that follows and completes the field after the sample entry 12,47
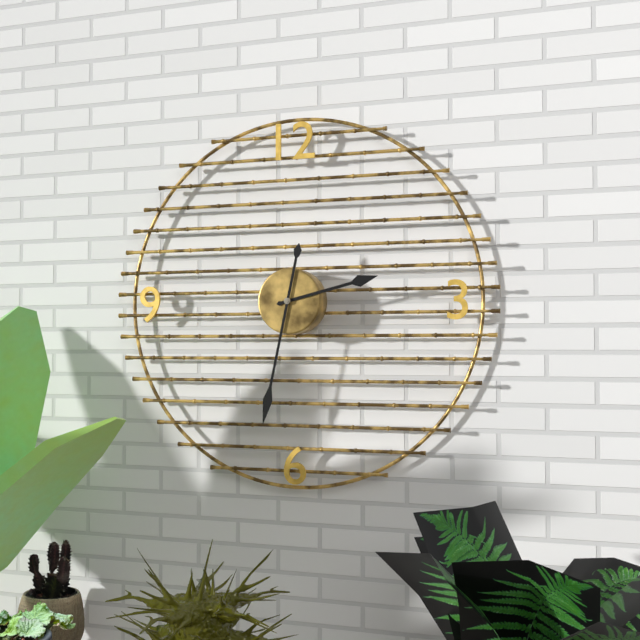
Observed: 2,32
